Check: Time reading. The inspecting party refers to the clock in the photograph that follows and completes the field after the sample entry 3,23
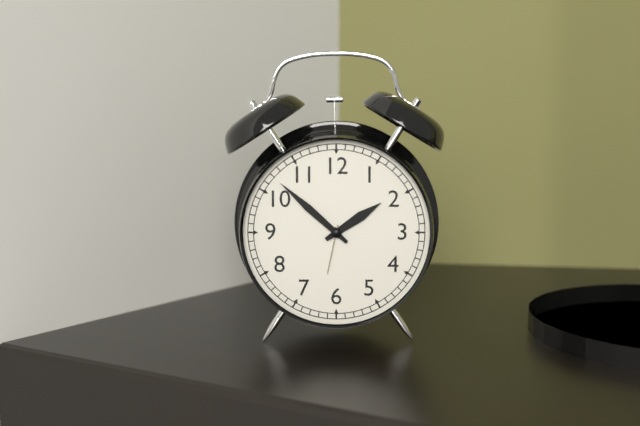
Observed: 1,52
